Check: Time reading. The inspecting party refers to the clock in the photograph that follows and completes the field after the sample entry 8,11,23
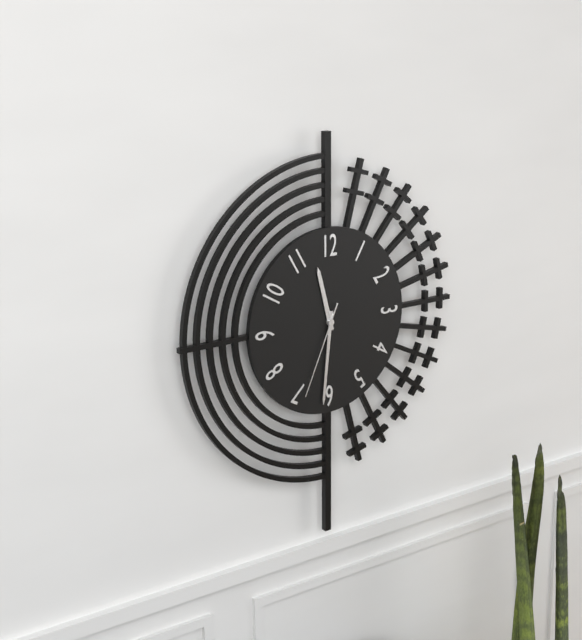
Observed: 11,31,34
